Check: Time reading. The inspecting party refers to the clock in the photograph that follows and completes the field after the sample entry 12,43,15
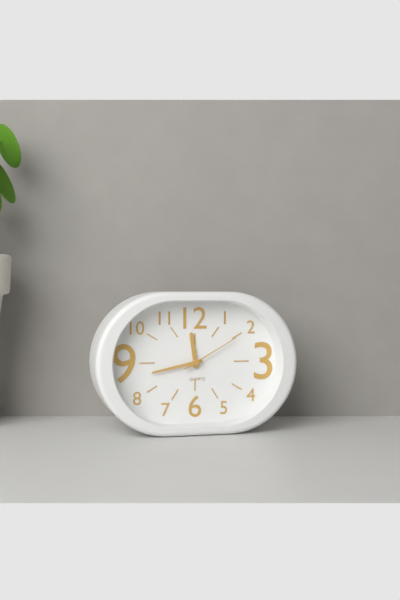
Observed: 11,43,10
